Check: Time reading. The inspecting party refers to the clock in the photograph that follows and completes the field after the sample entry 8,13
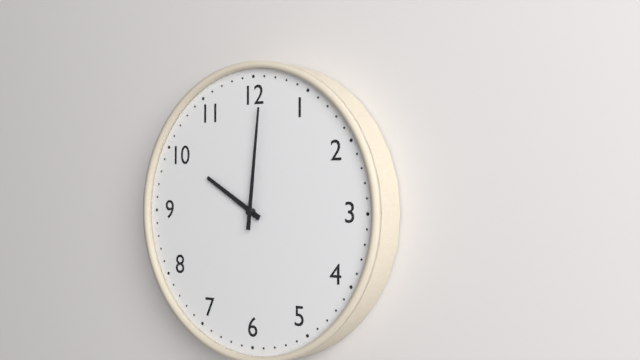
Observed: 10,01
